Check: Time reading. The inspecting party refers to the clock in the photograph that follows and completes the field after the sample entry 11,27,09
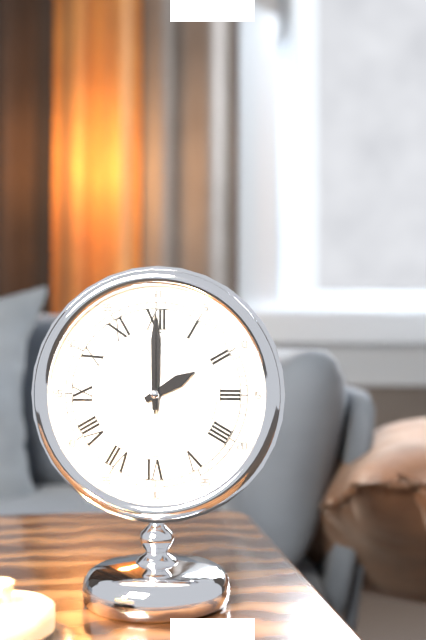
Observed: 2,00,00
